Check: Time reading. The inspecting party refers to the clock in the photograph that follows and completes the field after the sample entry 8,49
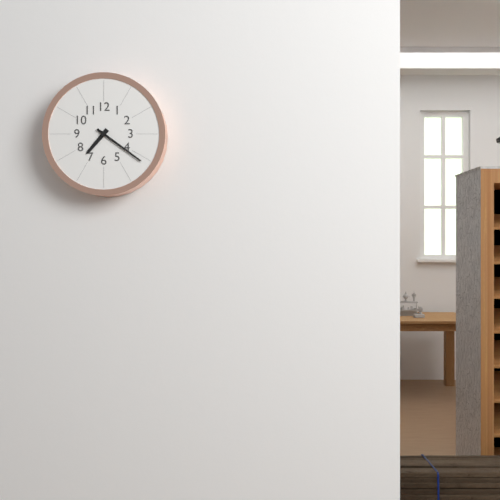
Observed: 7,21
